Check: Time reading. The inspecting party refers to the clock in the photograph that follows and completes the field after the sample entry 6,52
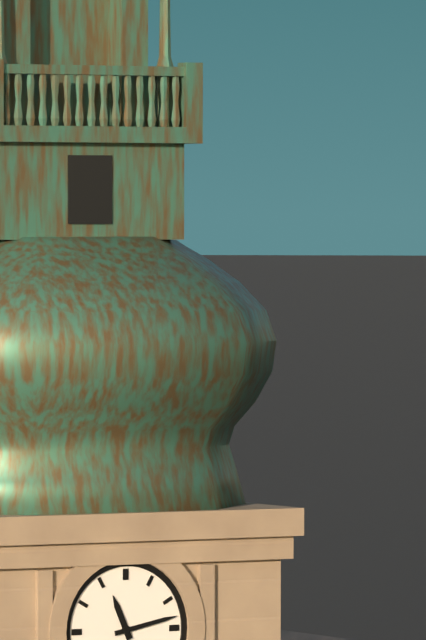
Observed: 11,13
